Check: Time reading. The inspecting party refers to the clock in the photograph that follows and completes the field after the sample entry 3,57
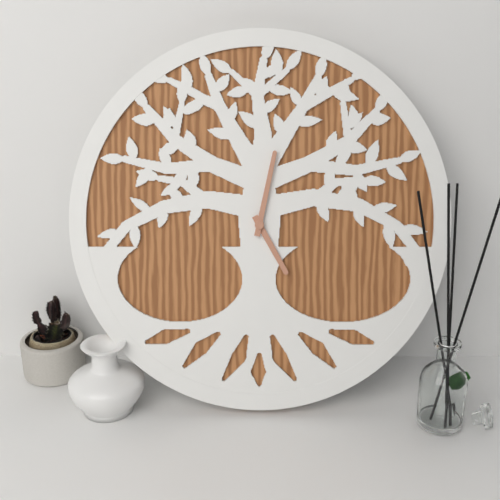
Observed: 5,02
